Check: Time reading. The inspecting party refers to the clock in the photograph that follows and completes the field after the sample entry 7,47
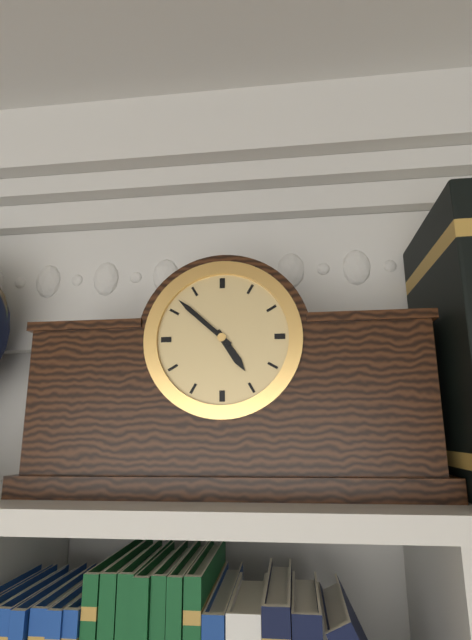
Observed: 4,52
